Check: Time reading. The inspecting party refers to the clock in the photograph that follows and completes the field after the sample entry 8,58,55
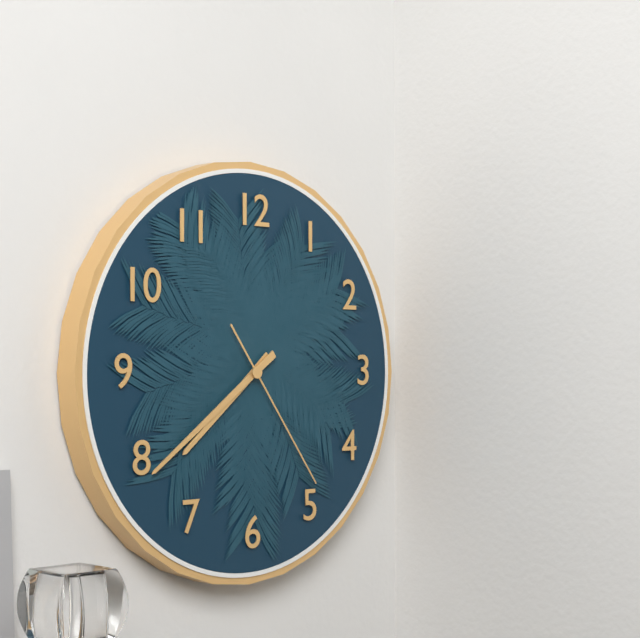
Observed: 7,39,24
